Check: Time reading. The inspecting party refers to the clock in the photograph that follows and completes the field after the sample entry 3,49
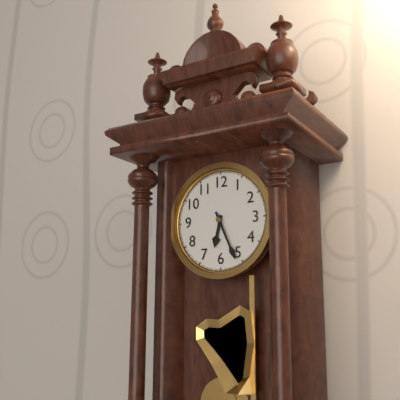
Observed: 6,26
